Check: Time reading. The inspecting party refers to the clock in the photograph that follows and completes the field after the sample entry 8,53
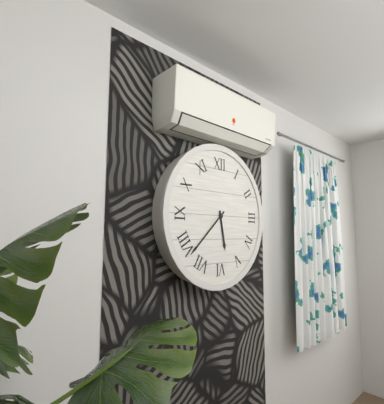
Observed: 5,38
